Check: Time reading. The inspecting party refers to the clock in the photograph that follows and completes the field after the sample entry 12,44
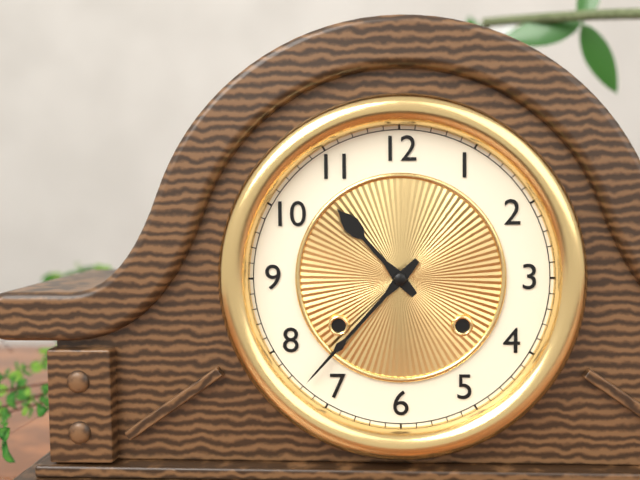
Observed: 10,37
